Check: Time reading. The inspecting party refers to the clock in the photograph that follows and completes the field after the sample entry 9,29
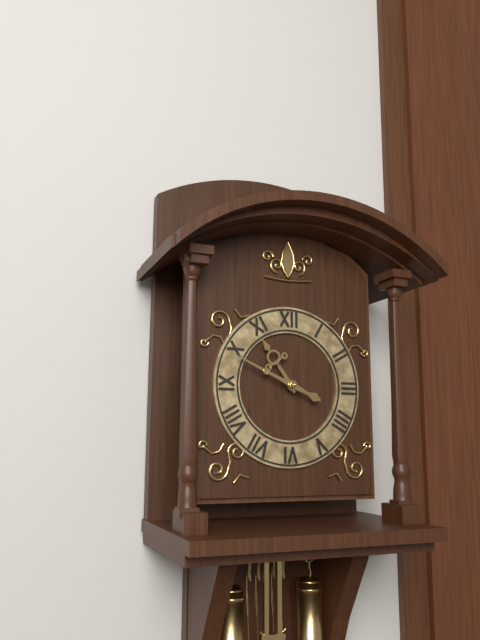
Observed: 10,49
